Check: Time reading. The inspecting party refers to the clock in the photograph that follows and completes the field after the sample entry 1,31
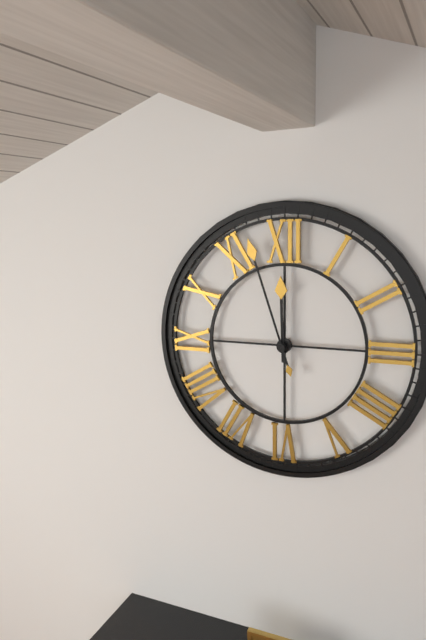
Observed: 11,57
